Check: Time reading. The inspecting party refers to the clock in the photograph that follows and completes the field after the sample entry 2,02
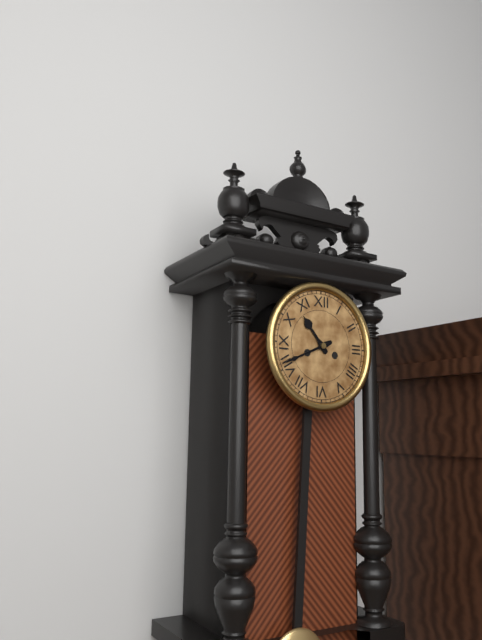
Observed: 10,41
